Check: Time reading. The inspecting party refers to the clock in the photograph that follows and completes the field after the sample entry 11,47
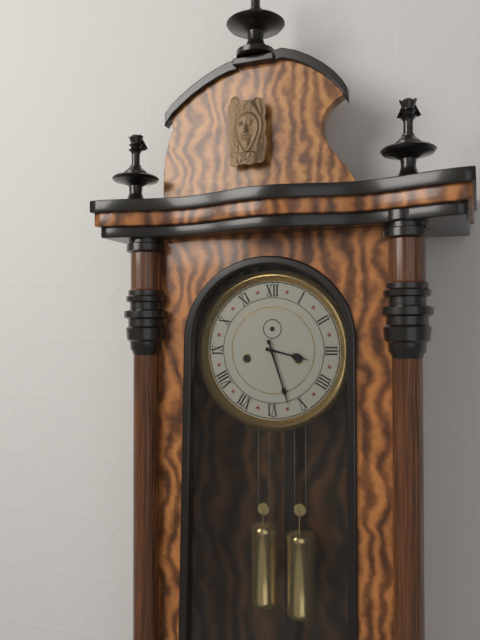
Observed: 3,27
